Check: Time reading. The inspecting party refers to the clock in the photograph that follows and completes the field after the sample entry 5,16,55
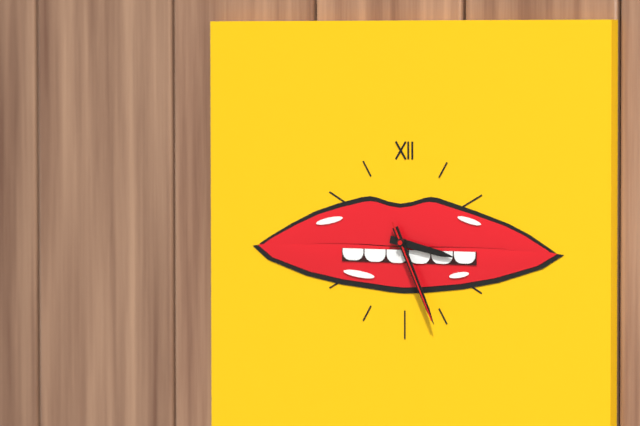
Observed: 3,26,26
